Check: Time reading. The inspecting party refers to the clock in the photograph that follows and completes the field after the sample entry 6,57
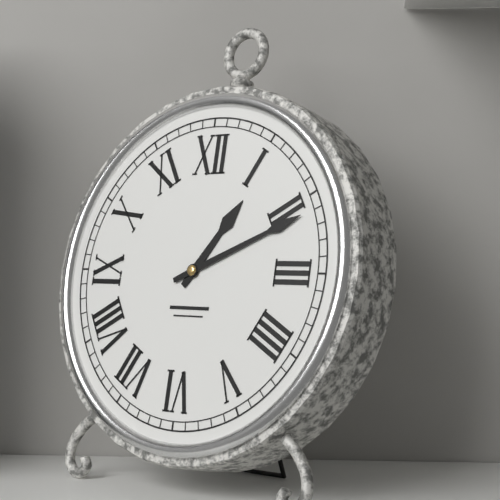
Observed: 1,11
